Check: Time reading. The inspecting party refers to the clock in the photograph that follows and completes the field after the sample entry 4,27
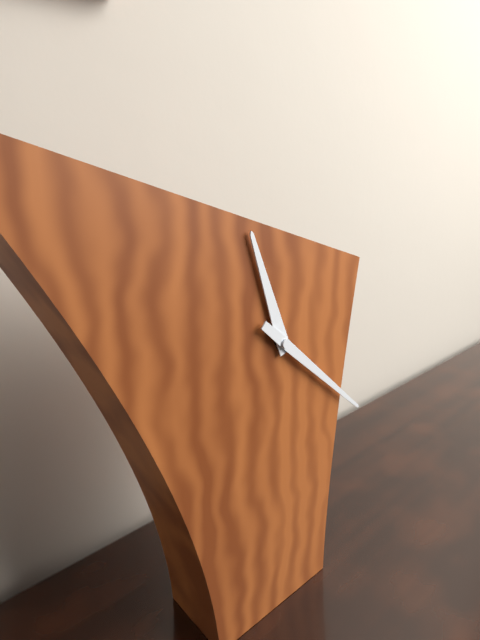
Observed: 11,22
